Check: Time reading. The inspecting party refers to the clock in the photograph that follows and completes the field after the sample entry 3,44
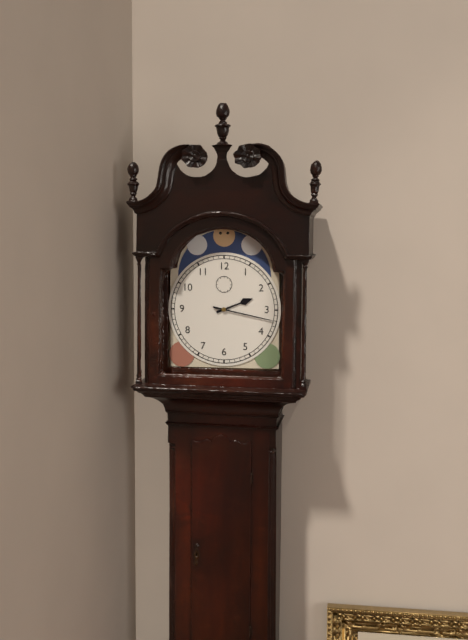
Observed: 2,17
